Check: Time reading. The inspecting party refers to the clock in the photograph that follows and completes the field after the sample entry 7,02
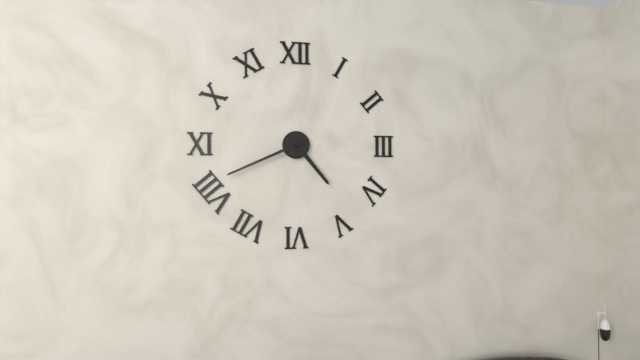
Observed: 4,41
